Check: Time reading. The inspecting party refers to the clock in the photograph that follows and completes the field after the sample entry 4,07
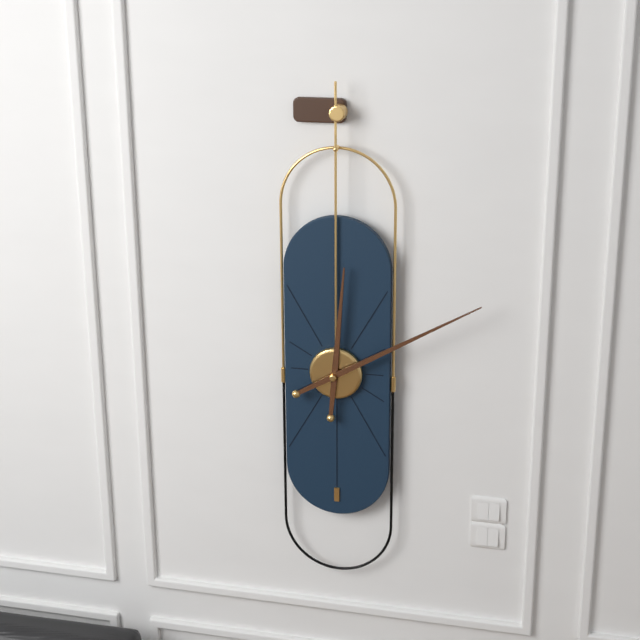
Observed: 12,10
